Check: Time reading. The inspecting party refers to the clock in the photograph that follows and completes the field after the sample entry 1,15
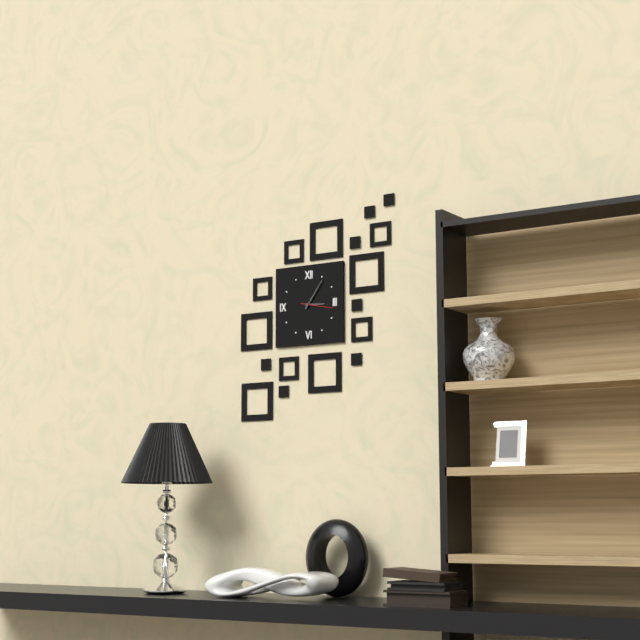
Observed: 3,06
